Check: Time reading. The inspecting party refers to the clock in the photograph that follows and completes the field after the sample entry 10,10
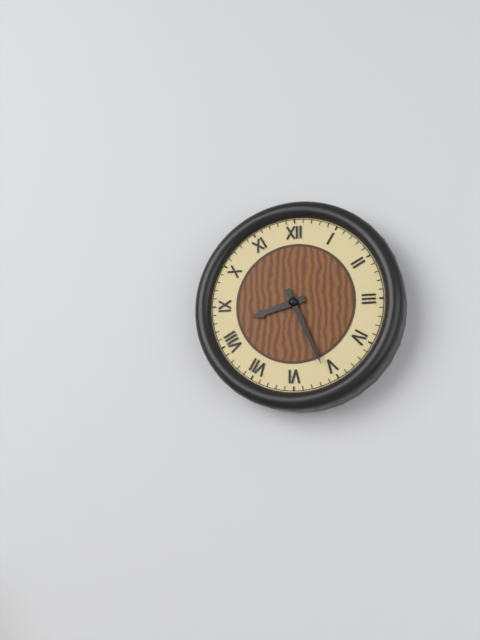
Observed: 8,26
